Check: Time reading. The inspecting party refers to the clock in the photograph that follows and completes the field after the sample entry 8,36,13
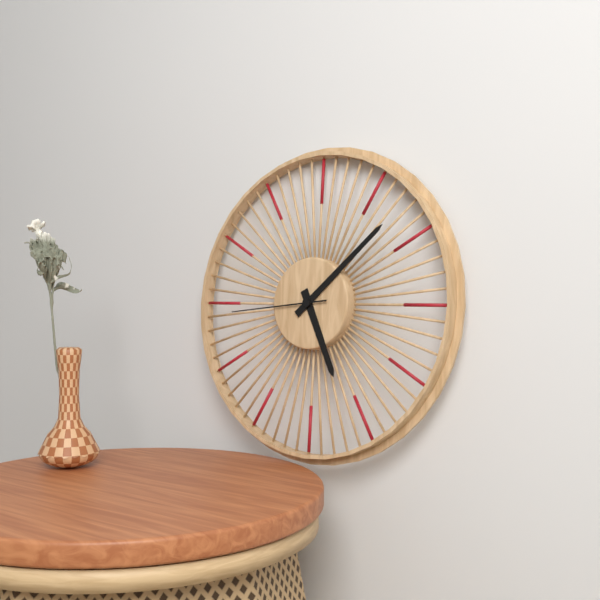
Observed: 5,08,44
